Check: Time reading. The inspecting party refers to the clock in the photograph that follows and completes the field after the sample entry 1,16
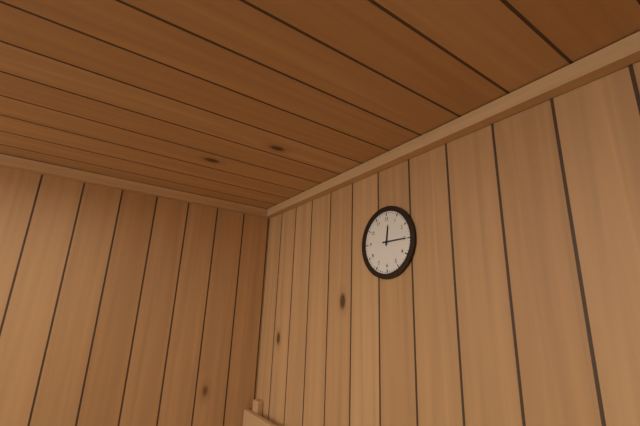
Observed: 12,15
